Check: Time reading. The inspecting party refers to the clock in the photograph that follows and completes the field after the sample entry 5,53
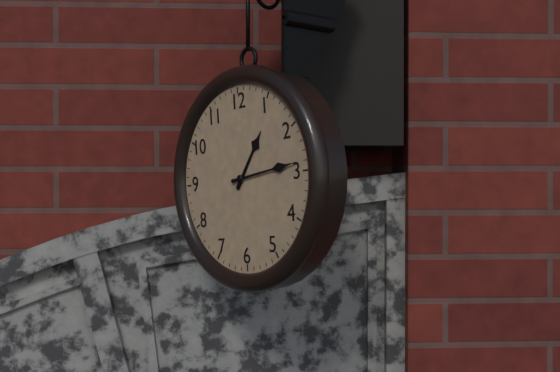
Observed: 1,14
